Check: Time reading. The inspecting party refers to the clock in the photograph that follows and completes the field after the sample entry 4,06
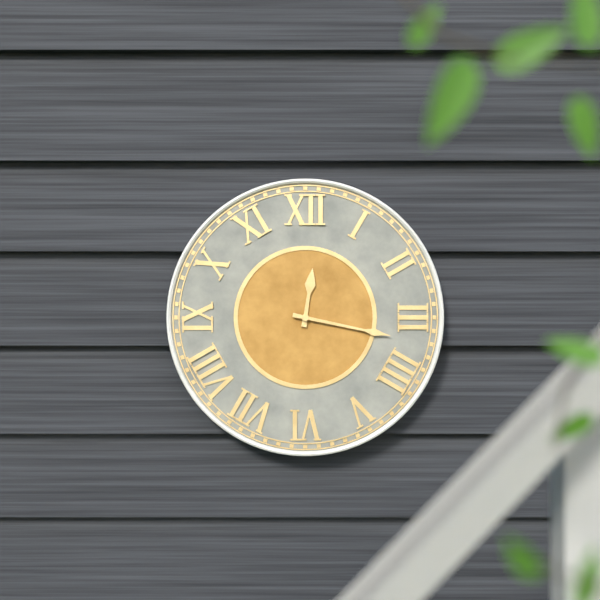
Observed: 12,17
